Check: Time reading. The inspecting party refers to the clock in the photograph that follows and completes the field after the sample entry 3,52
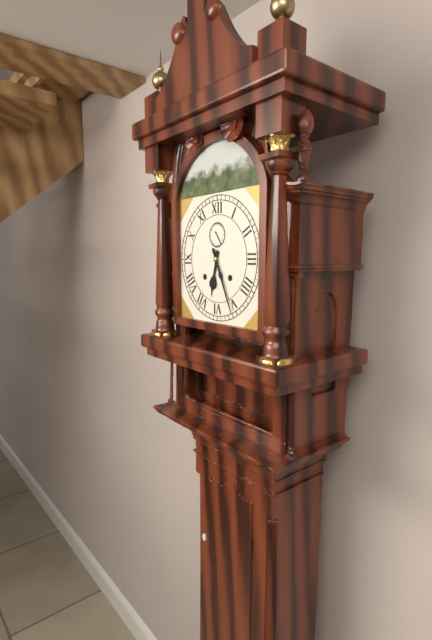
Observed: 6,26
